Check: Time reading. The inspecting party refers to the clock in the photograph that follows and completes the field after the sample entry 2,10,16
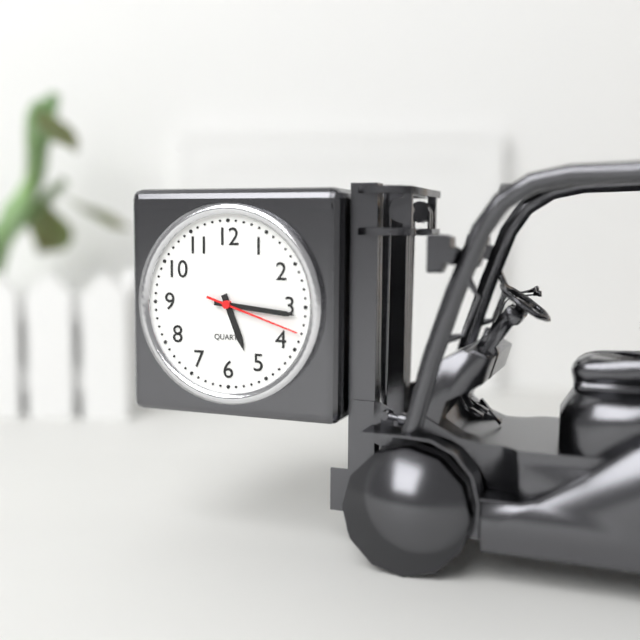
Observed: 5,16,18
